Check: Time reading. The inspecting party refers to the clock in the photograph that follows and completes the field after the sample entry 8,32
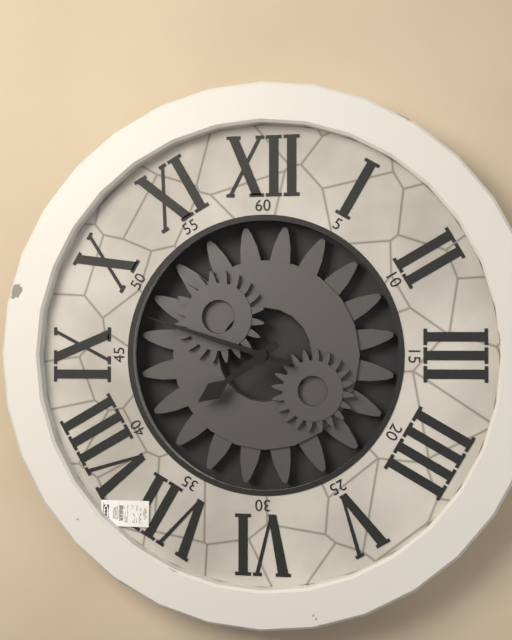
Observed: 7,48
